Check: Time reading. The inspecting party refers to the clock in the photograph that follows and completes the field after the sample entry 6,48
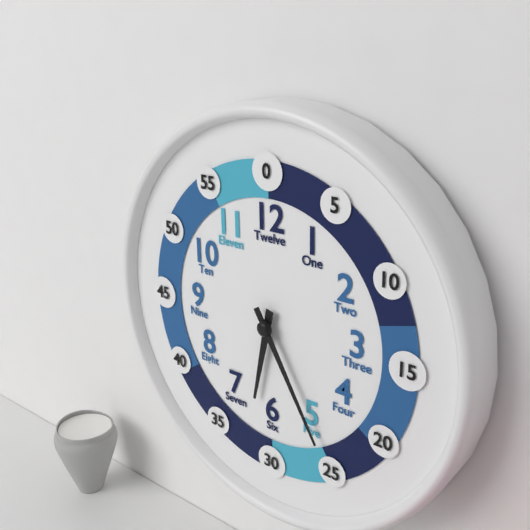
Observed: 6,25
